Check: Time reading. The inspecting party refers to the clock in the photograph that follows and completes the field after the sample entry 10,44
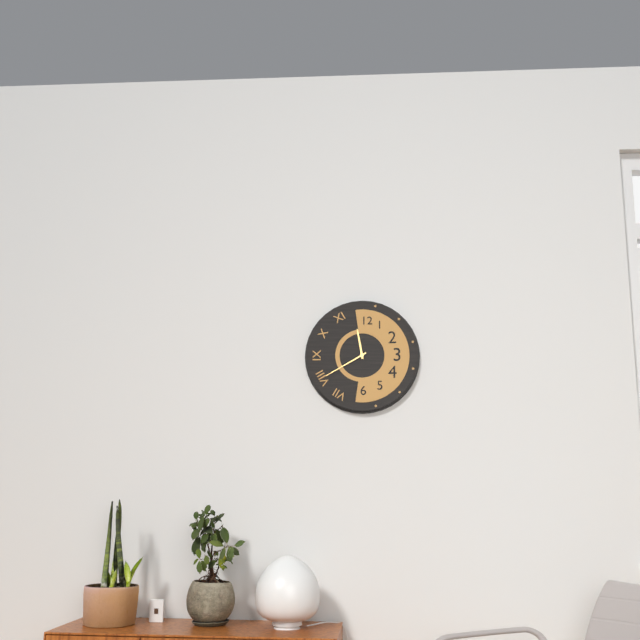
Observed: 11,40
